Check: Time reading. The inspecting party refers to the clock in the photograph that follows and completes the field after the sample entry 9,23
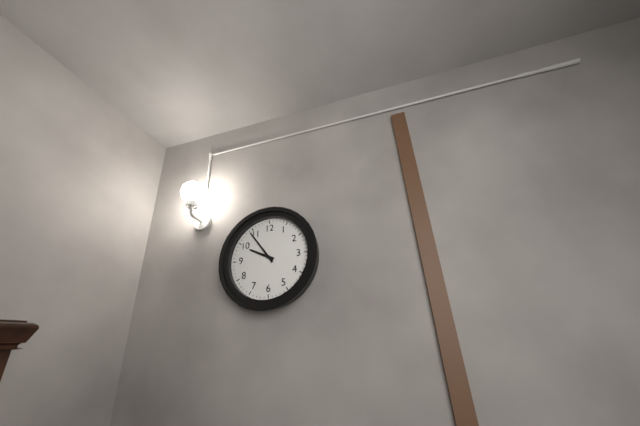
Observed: 9,54
